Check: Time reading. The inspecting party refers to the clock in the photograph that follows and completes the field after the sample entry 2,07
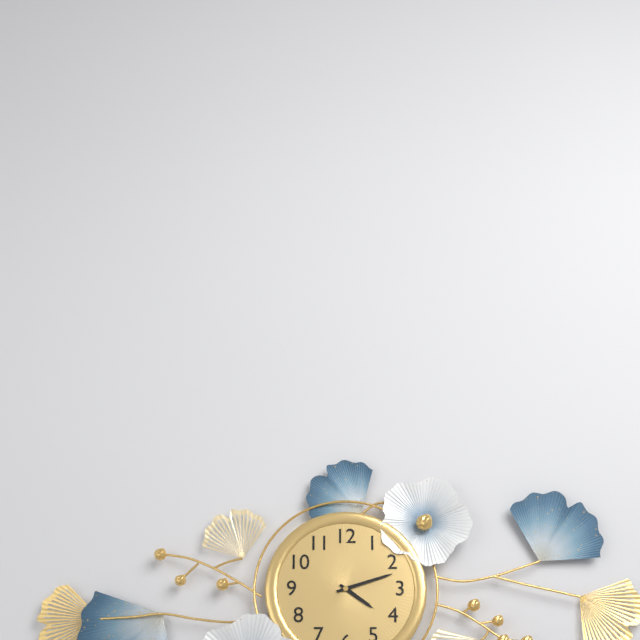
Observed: 4,12
